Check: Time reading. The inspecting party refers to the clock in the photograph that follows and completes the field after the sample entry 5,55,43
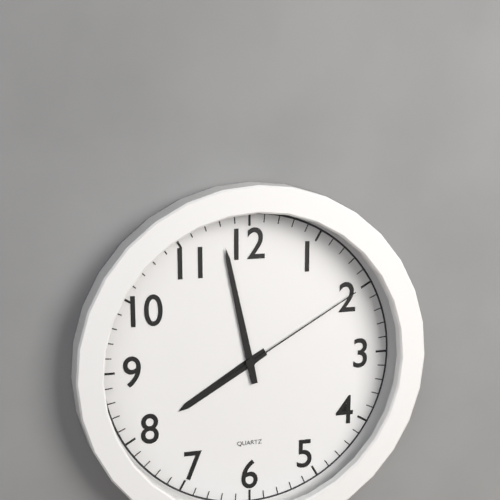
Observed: 7,58,10
